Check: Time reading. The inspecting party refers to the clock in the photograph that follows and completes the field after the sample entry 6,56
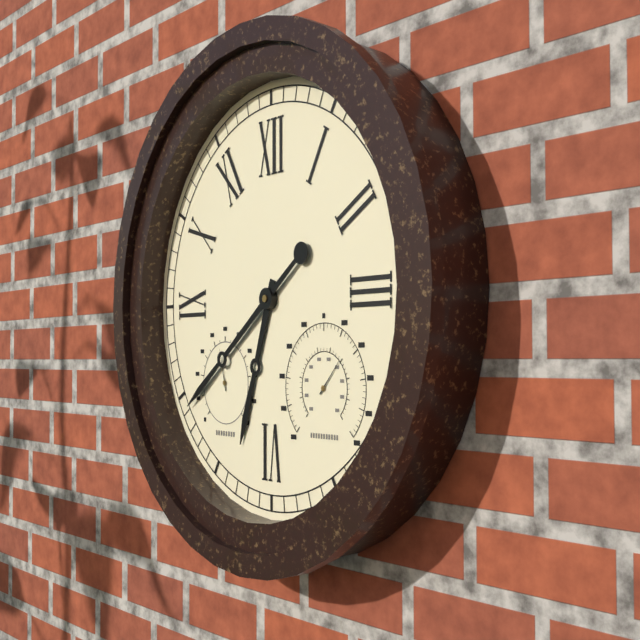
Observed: 6,39
